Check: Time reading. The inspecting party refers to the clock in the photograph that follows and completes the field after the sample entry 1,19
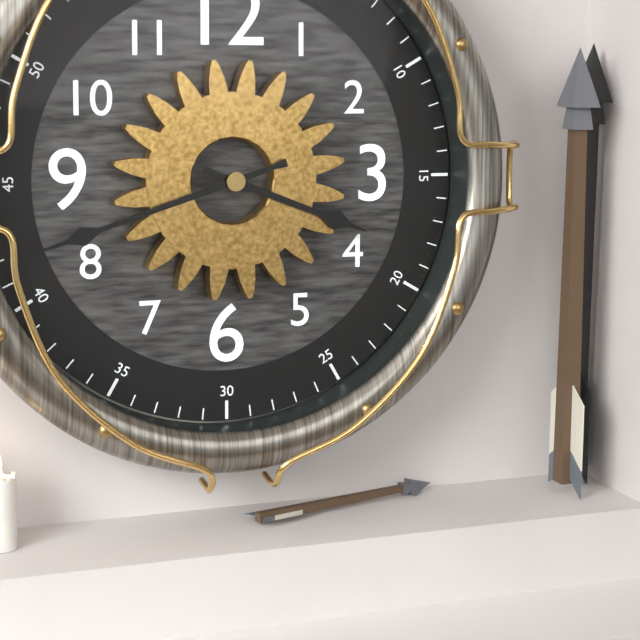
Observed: 3,42
